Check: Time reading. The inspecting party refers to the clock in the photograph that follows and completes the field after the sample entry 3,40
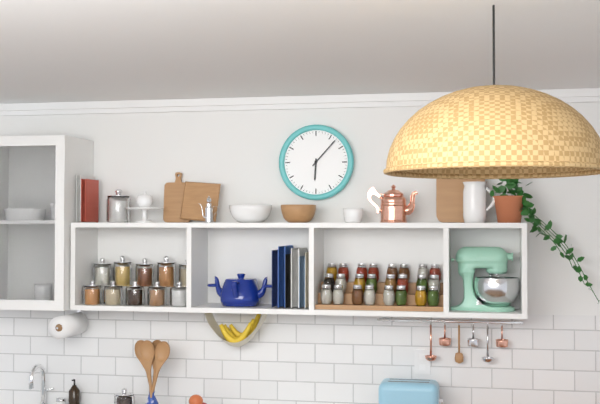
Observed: 6,07
